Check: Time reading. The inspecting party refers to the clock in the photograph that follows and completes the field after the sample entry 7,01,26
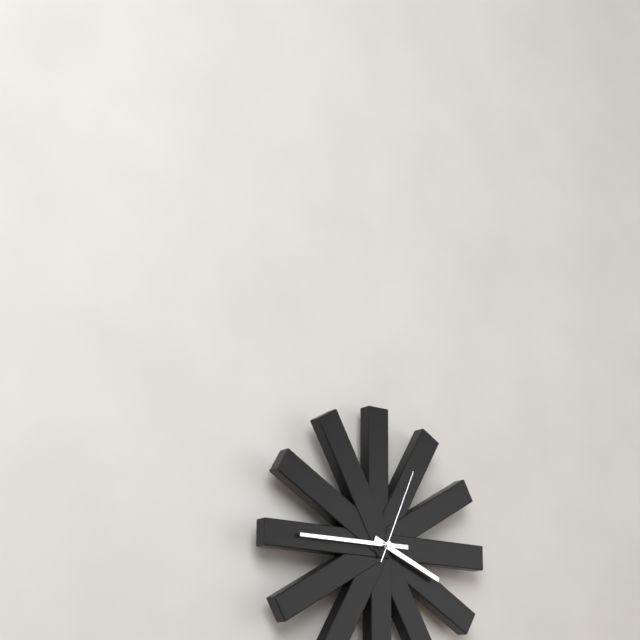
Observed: 3,45,04
